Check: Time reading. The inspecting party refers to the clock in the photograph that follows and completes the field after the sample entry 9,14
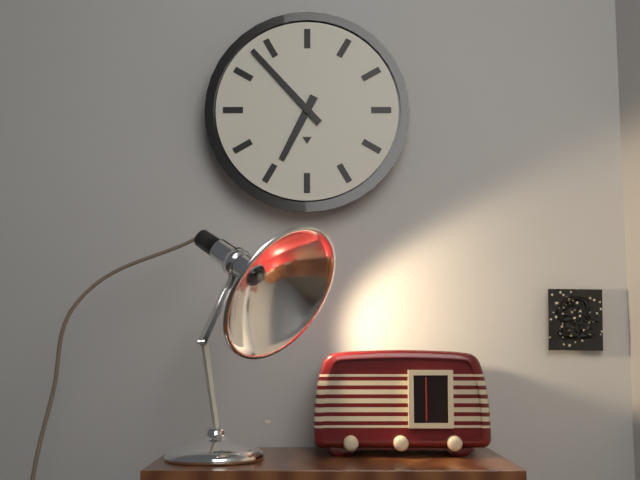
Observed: 6,53
